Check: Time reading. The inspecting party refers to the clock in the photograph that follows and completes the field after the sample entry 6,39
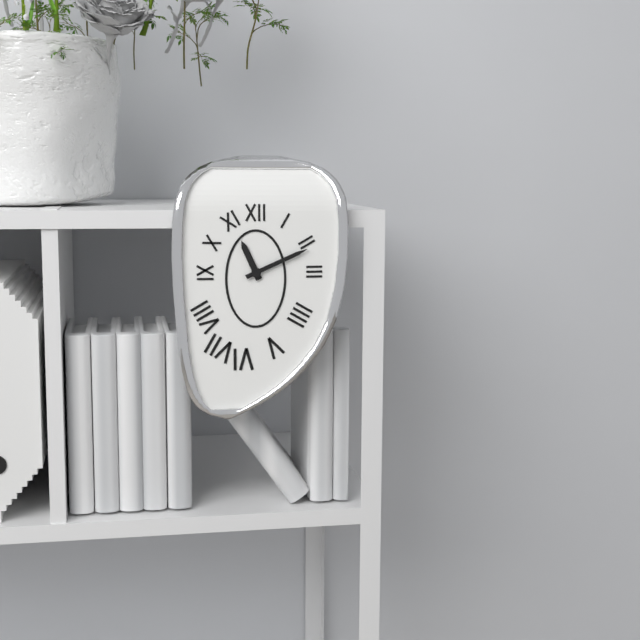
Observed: 11,11
